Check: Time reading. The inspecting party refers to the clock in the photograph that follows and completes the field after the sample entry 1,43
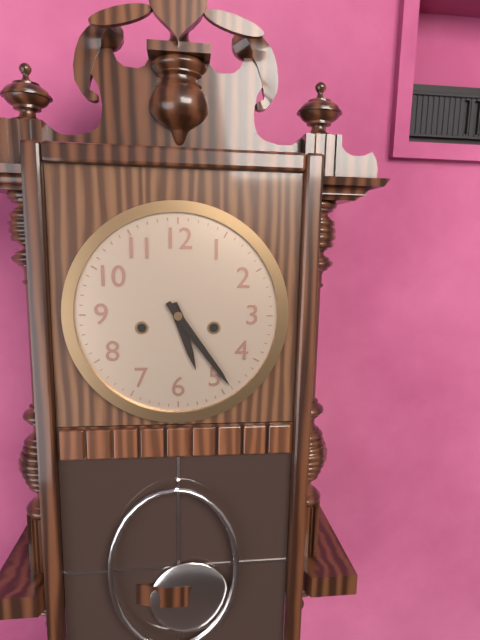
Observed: 5,24
